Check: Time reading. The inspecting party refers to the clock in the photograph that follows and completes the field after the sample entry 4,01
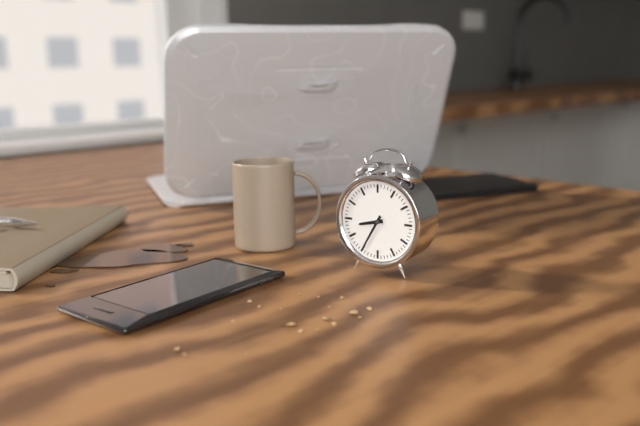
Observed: 8,35
